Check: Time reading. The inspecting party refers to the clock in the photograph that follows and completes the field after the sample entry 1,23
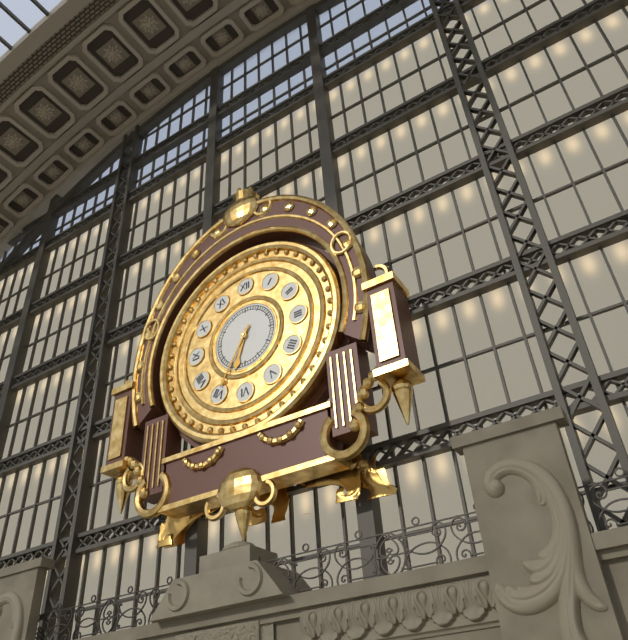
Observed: 6,35
